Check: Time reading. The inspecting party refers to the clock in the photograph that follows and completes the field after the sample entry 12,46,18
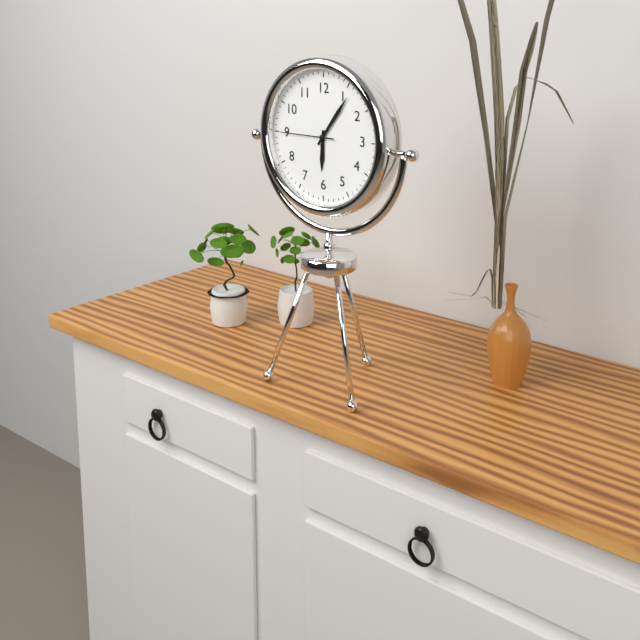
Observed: 6,06,45
